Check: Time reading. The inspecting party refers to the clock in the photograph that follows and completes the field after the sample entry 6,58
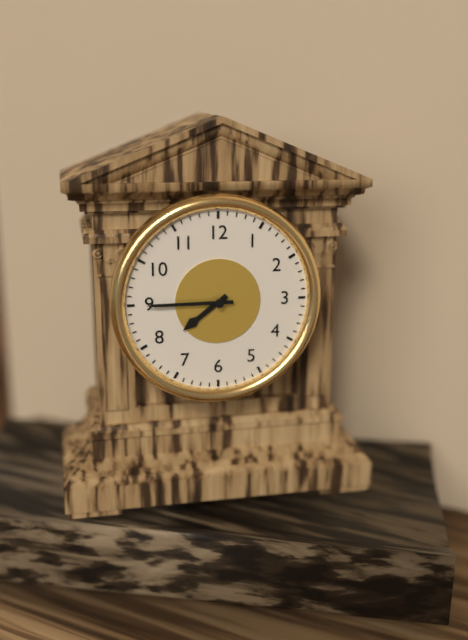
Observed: 7,45
